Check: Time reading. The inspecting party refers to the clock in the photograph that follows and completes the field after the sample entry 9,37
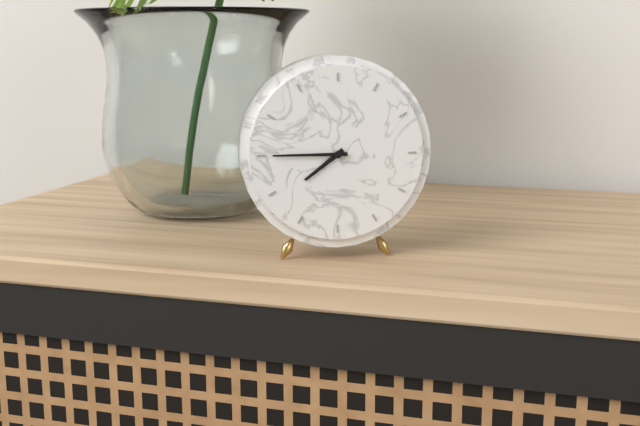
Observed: 7,45
